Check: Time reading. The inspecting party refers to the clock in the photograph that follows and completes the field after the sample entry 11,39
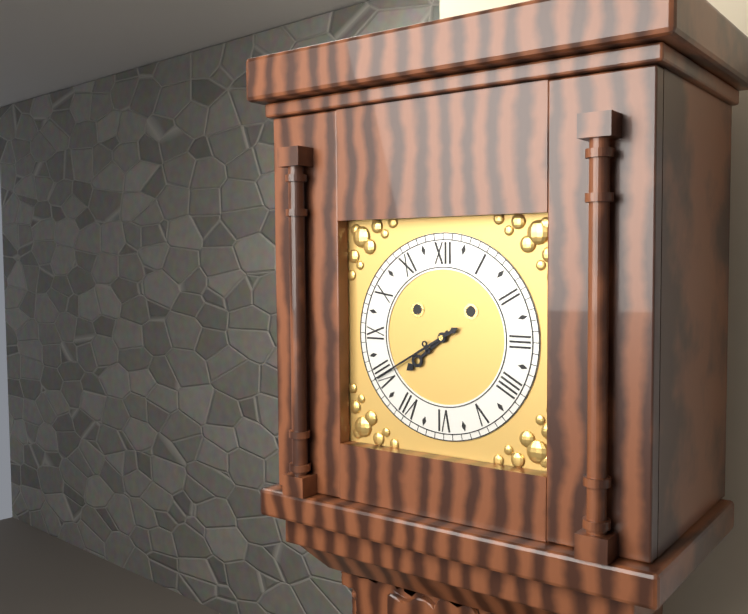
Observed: 7,40
